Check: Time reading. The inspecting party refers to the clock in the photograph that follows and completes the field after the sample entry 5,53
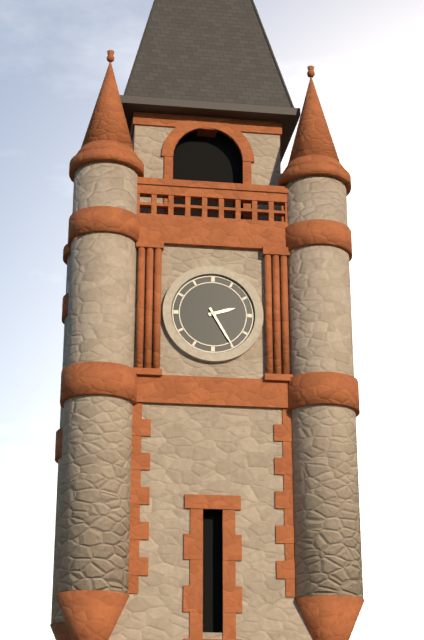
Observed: 2,25
